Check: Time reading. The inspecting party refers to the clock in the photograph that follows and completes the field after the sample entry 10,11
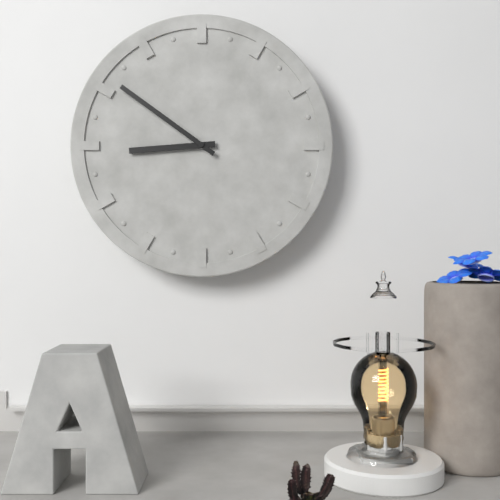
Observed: 8,51
